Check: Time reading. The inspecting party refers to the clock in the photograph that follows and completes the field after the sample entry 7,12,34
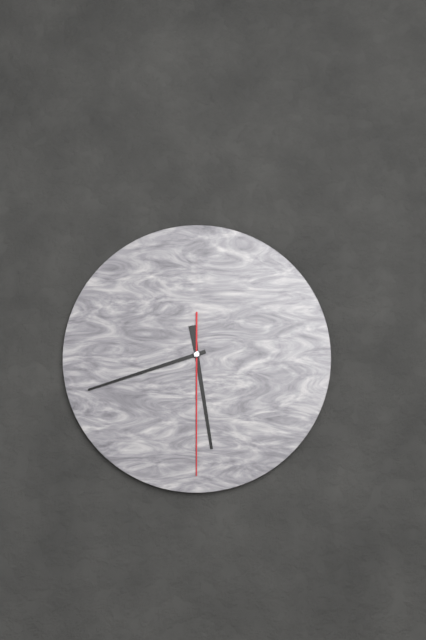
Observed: 5,42,30
